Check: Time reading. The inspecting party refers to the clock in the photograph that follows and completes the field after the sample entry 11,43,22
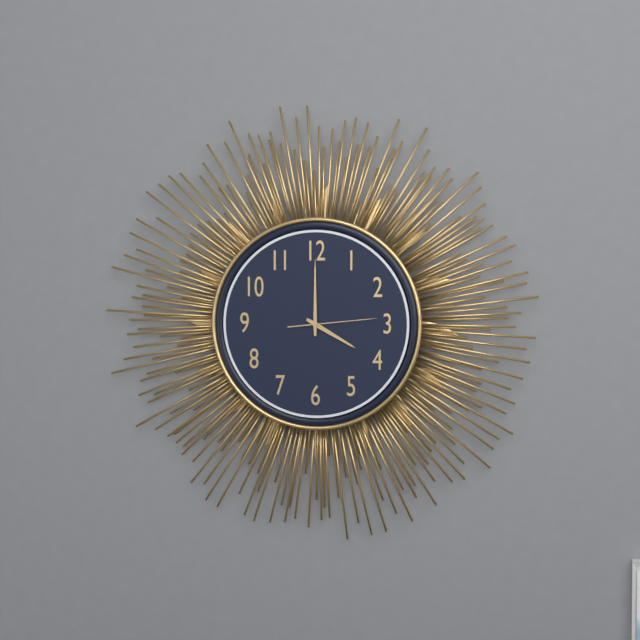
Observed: 4,00,14
